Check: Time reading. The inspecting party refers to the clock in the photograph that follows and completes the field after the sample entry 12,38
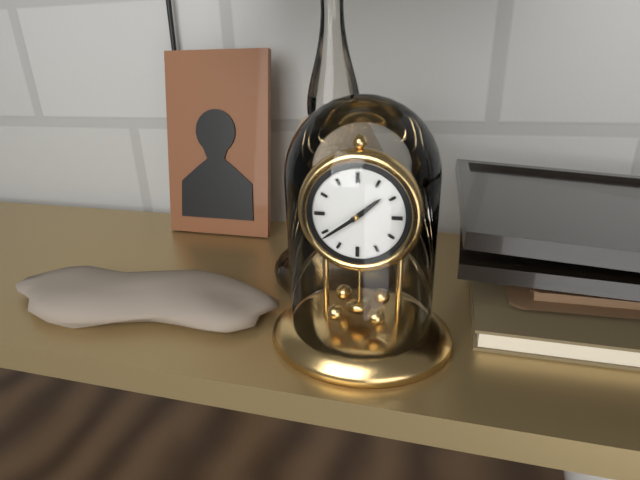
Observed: 1,39
